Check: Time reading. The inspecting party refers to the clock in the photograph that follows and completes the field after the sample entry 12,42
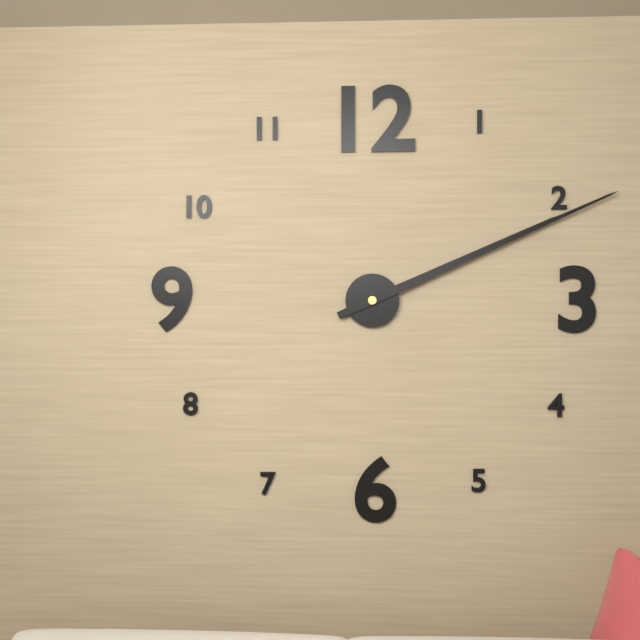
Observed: 2,11
